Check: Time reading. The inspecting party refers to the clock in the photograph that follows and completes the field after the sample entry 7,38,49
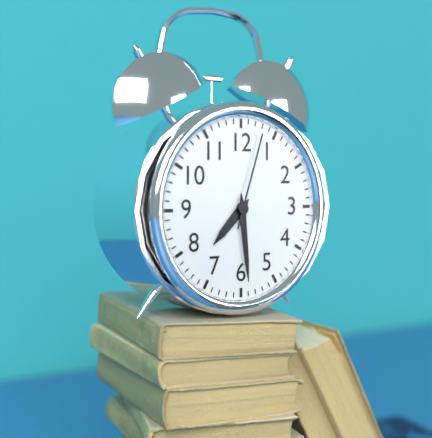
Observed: 7,29,03
